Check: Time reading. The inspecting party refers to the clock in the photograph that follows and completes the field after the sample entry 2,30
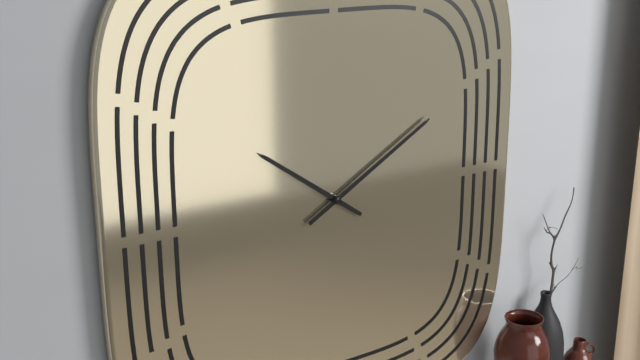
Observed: 10,10
